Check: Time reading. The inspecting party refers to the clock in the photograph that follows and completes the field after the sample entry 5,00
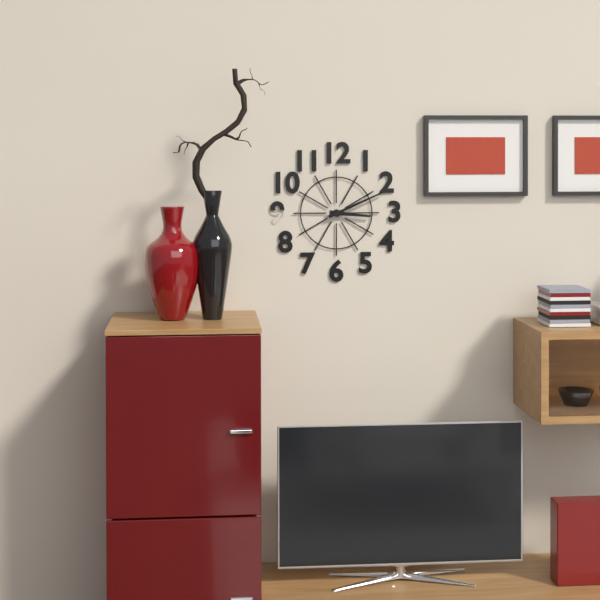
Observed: 3,11
